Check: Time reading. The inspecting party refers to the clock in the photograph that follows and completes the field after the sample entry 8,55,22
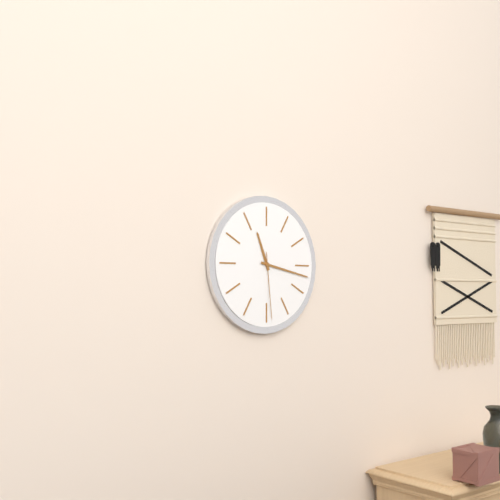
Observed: 11,17,29
